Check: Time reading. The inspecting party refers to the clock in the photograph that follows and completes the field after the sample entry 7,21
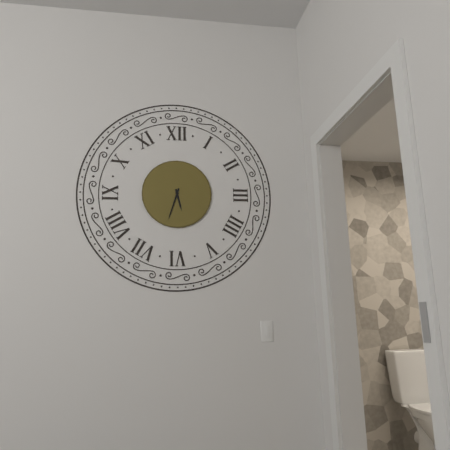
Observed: 5,33
